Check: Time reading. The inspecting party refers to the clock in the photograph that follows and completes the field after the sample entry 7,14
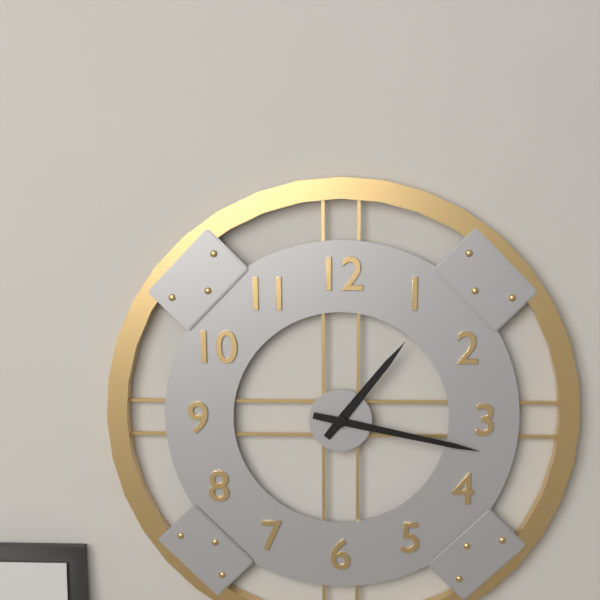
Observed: 1,17
